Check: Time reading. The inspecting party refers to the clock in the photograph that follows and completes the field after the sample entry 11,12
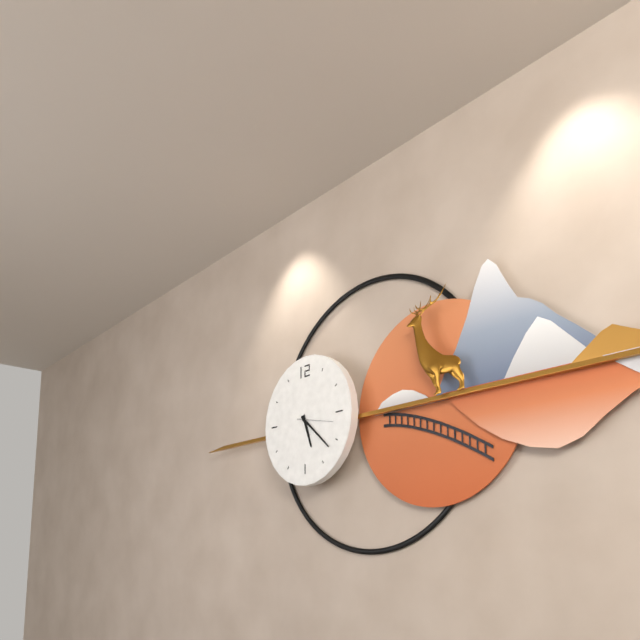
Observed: 5,22
